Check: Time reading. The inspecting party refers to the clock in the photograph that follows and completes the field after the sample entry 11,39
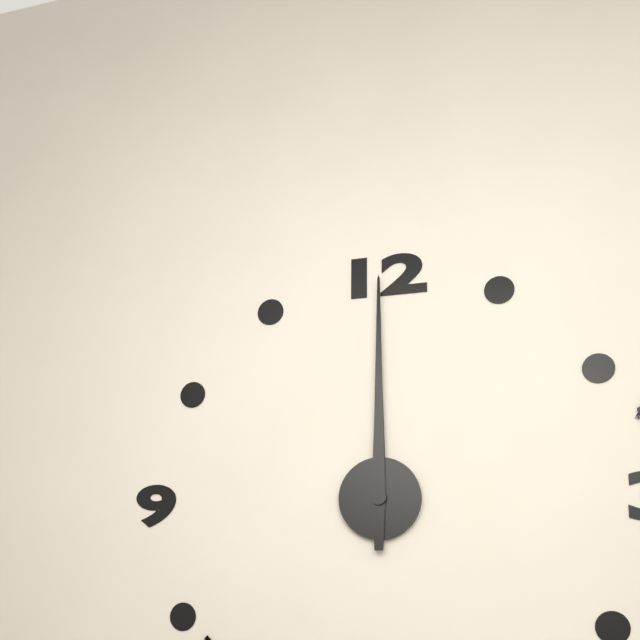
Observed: 12,00
